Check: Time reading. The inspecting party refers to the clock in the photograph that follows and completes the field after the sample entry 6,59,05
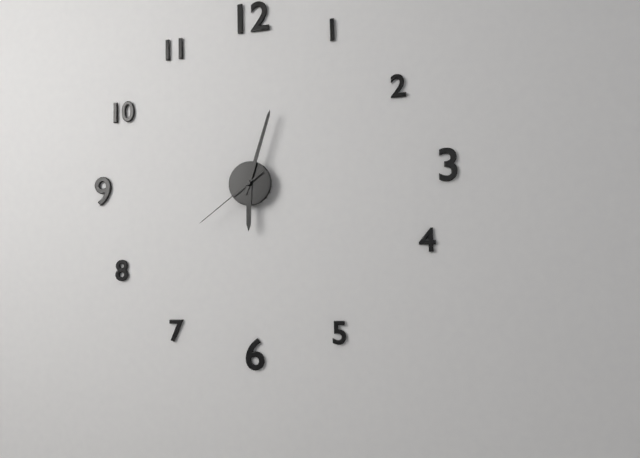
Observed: 6,03,39
